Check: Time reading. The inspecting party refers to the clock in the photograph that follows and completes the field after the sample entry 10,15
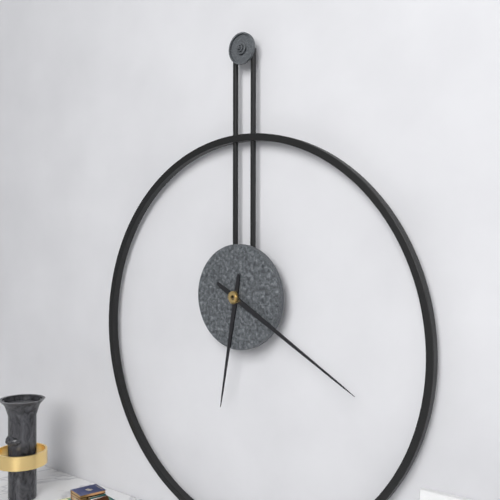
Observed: 6,20
